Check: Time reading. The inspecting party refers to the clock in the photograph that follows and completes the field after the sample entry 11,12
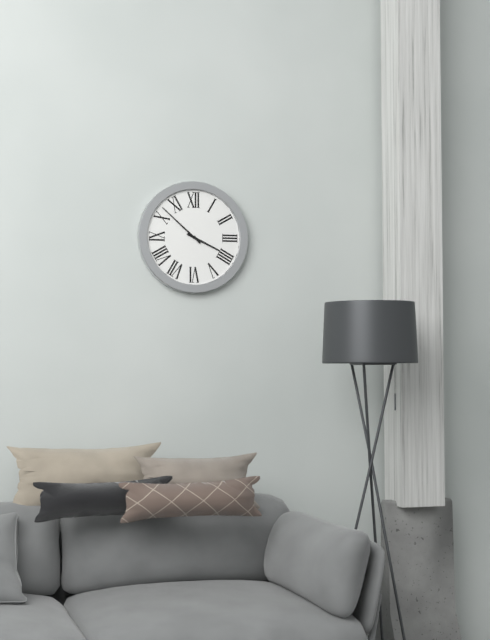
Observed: 3,52
